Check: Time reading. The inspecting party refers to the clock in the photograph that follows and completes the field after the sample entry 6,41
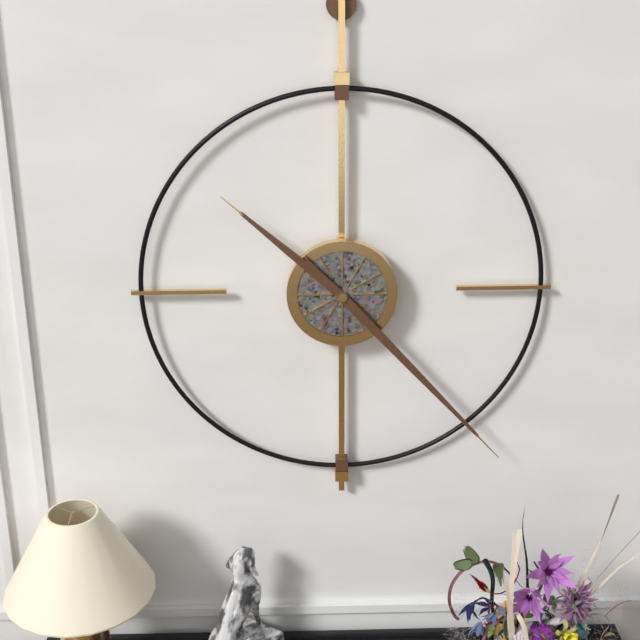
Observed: 10,23
